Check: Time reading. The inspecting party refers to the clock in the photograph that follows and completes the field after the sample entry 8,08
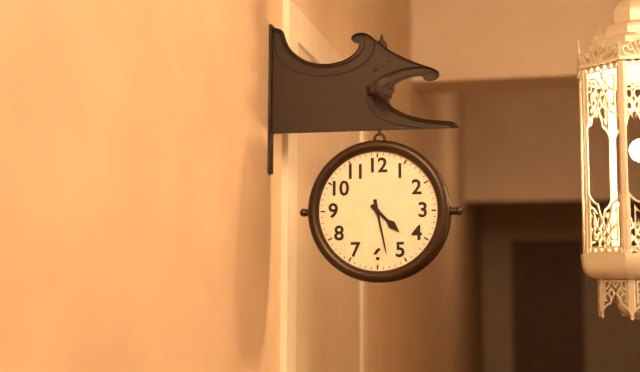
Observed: 4,28
